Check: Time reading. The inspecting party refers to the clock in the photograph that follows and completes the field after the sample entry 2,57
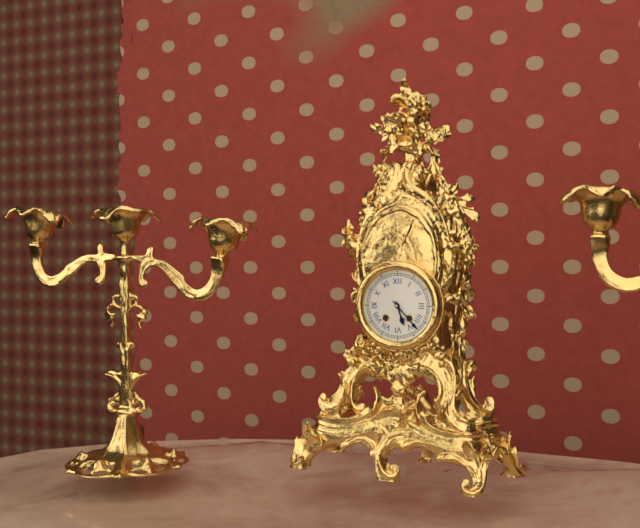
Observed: 5,23
